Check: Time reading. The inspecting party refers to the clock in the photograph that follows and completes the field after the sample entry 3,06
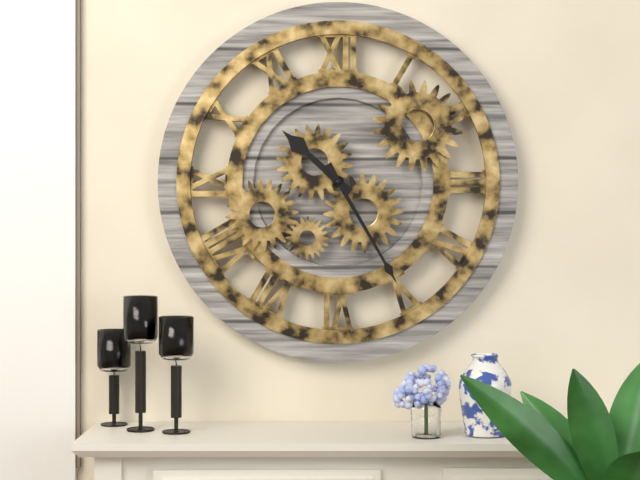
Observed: 10,25
